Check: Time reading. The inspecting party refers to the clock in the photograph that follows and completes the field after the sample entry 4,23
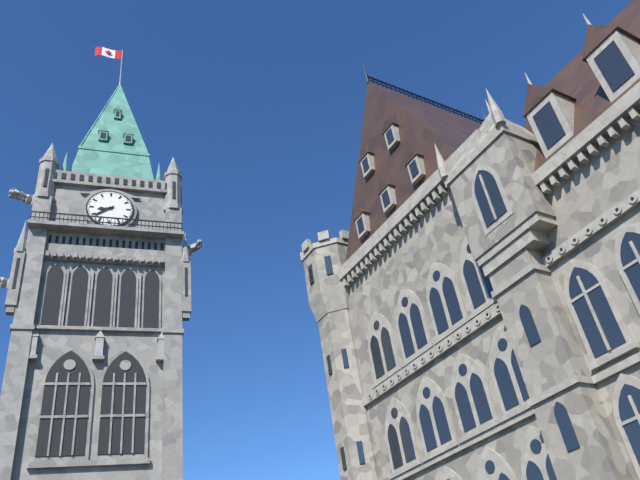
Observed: 8,39
